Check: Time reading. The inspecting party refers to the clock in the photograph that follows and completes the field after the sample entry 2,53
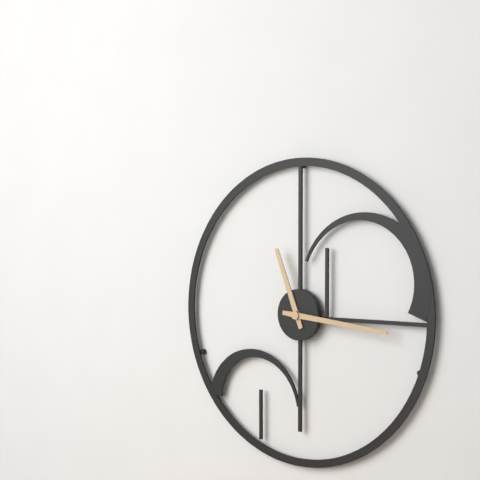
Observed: 11,16
